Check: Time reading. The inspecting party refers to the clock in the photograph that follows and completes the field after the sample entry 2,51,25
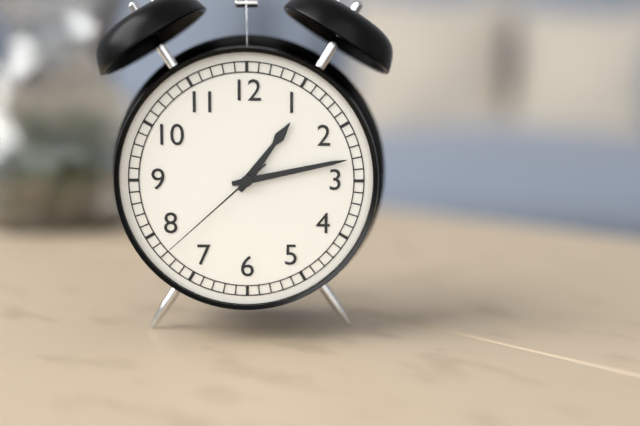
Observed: 1,13,38
